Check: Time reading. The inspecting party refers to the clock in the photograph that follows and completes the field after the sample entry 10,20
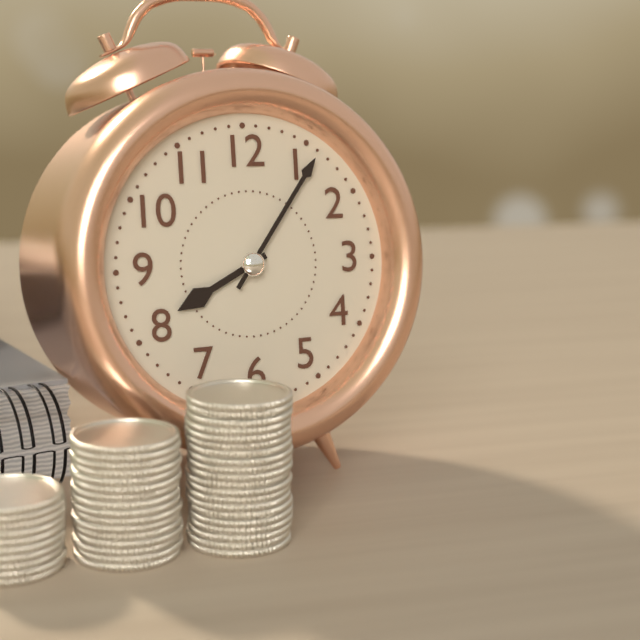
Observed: 8,06
